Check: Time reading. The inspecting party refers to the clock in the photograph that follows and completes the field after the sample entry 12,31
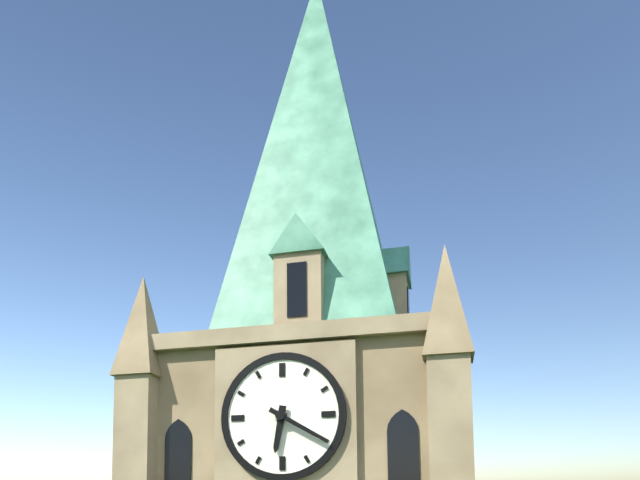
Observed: 6,20
